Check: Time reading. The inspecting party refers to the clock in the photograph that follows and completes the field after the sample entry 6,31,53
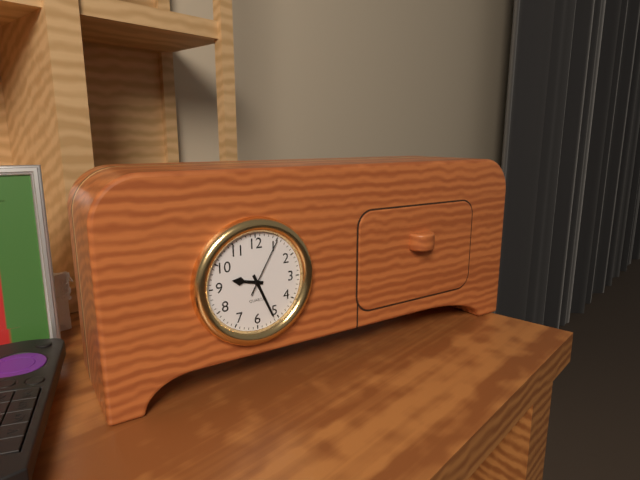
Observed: 9,26,05
